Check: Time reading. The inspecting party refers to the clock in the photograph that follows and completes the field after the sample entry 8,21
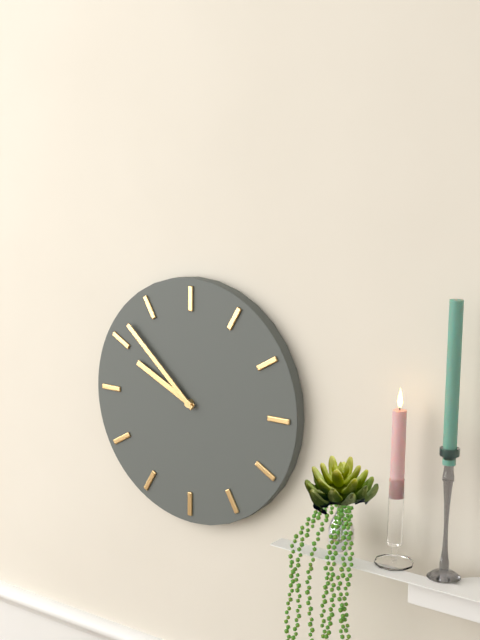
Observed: 9,52
